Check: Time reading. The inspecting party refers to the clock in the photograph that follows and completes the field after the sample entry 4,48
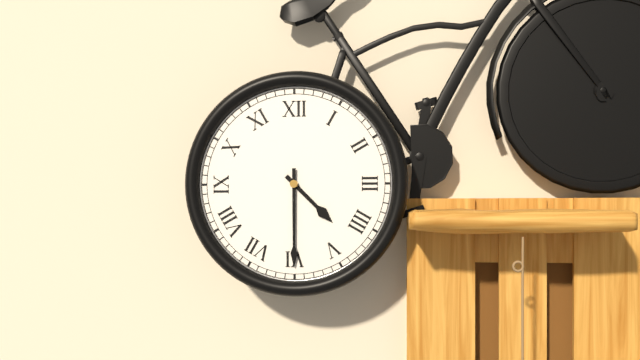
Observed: 4,30
